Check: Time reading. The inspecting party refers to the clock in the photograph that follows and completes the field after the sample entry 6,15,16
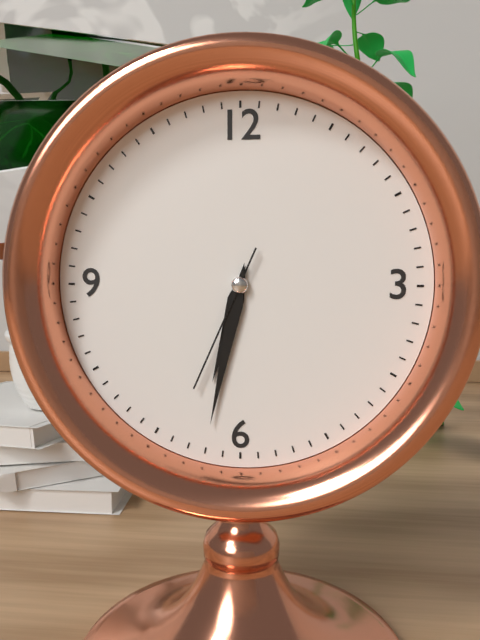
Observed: 6,32,34
